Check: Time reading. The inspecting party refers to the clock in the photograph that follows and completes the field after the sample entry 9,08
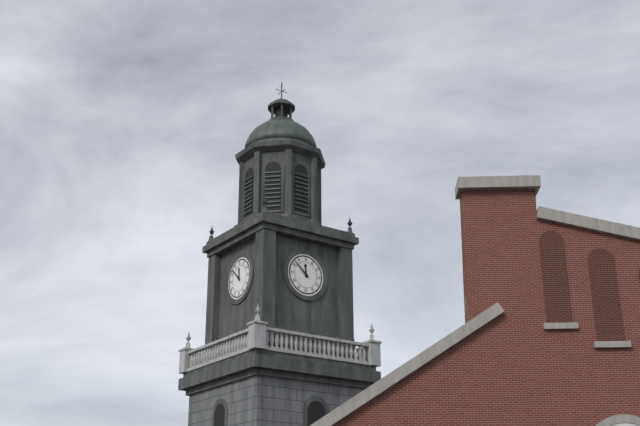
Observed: 11,52
